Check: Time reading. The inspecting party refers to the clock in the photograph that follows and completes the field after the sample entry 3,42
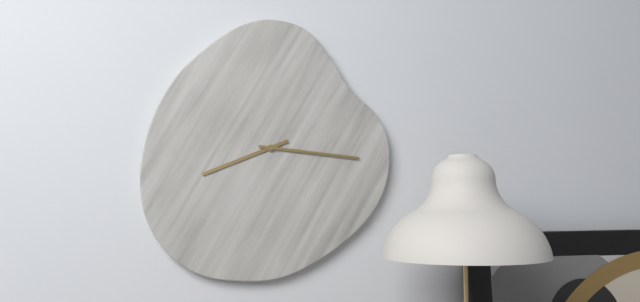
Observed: 8,16
